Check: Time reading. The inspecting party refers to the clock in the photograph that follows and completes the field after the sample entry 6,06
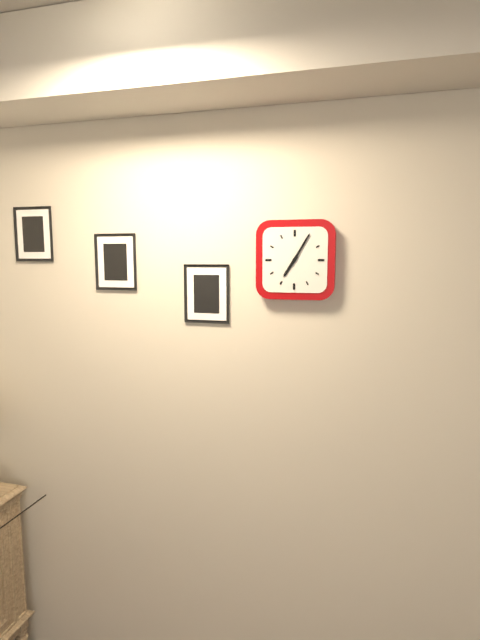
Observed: 7,05
